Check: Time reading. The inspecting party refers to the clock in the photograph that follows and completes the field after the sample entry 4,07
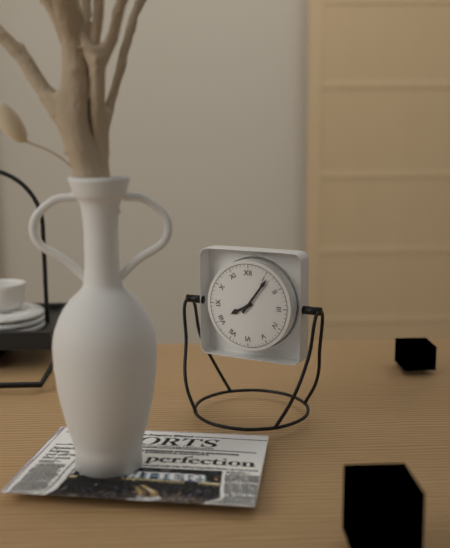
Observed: 8,06
